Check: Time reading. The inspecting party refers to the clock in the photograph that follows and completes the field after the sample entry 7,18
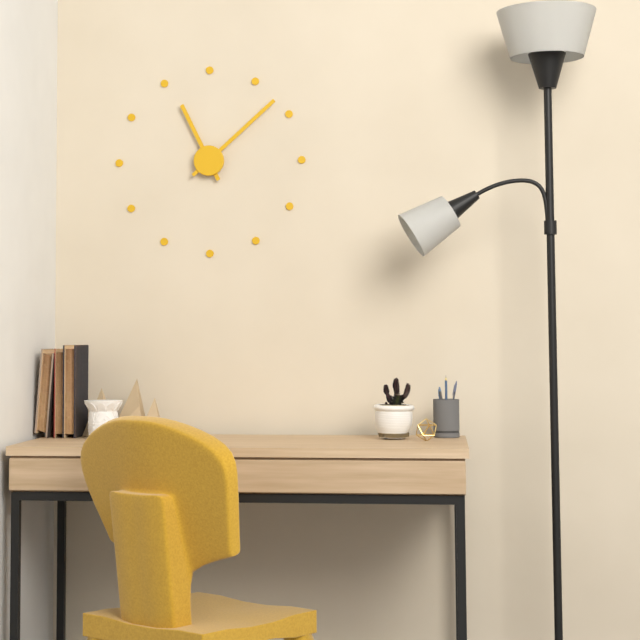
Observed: 11,08
